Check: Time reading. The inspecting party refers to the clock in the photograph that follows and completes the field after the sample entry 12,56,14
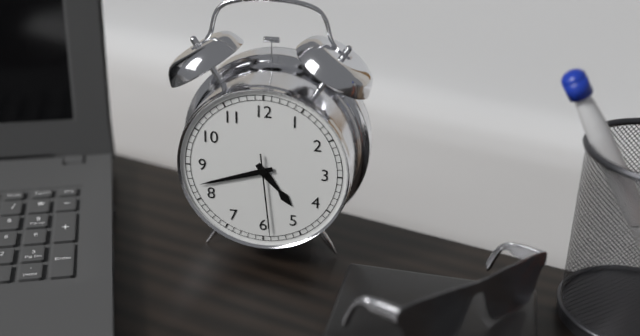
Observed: 4,42,29
